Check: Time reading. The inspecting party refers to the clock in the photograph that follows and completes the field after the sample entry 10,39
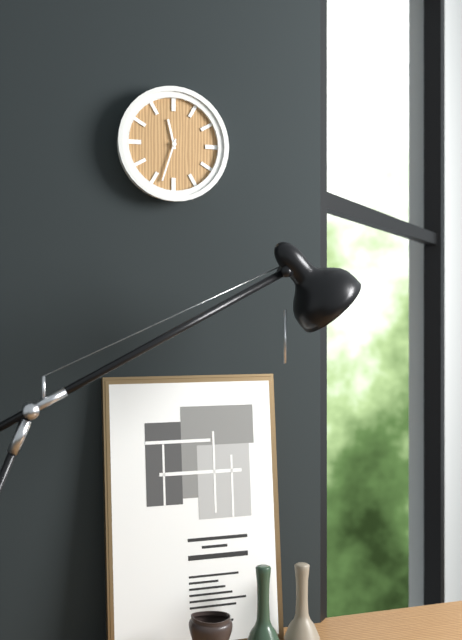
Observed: 11,33
